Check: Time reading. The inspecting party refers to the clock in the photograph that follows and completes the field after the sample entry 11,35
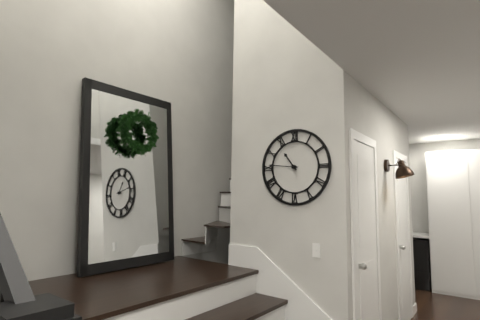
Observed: 10,46
